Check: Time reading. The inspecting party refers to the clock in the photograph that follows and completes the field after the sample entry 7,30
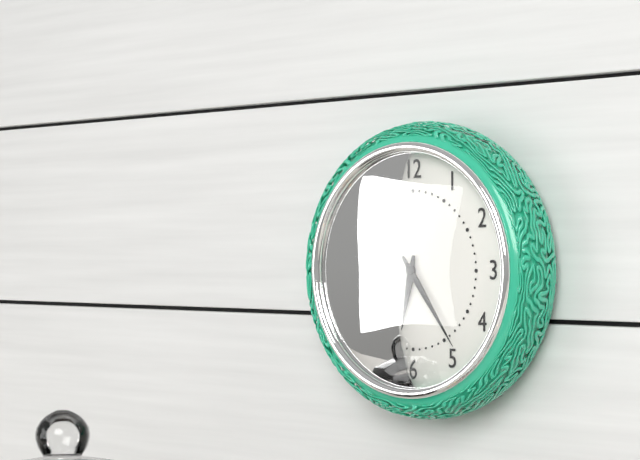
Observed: 6,24
